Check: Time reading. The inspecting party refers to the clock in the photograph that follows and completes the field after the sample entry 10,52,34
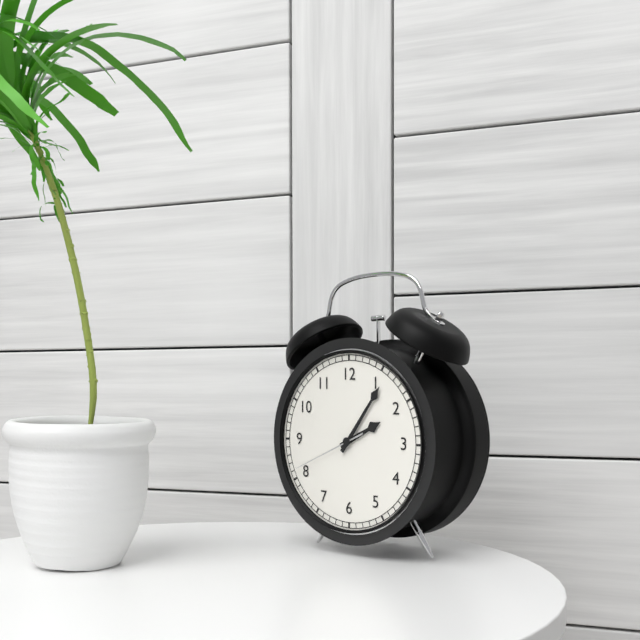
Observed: 2,06,41
